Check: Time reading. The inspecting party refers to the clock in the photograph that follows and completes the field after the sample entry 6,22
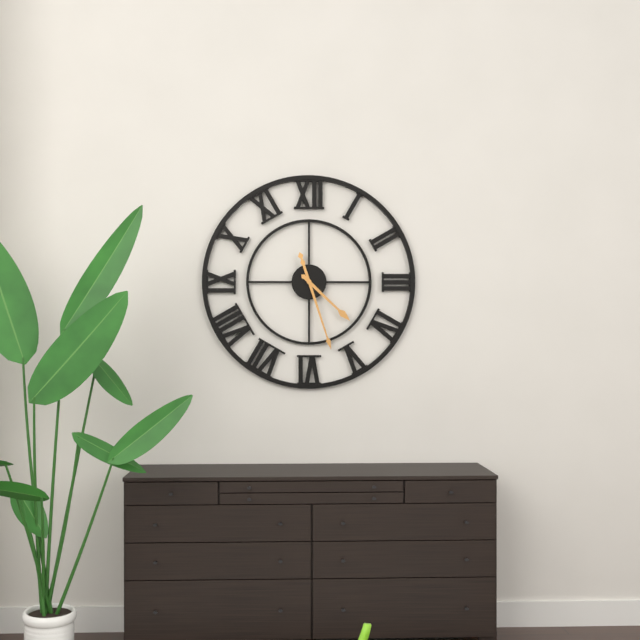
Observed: 4,27
